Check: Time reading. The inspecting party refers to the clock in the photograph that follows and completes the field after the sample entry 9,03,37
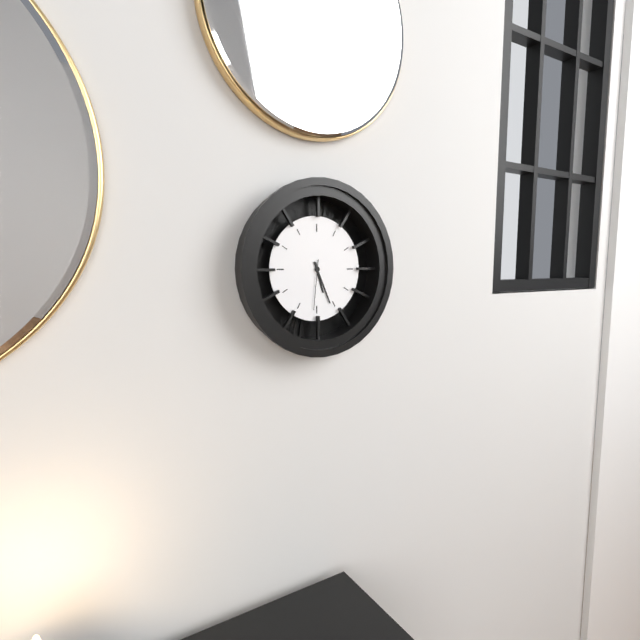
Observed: 5,26,31
